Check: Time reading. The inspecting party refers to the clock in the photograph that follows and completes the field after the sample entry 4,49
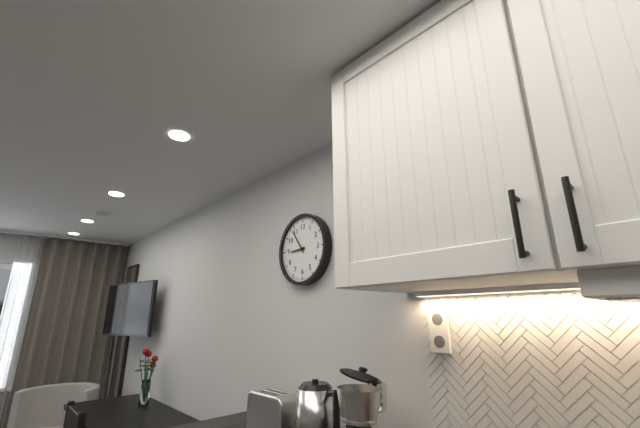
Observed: 8,54
